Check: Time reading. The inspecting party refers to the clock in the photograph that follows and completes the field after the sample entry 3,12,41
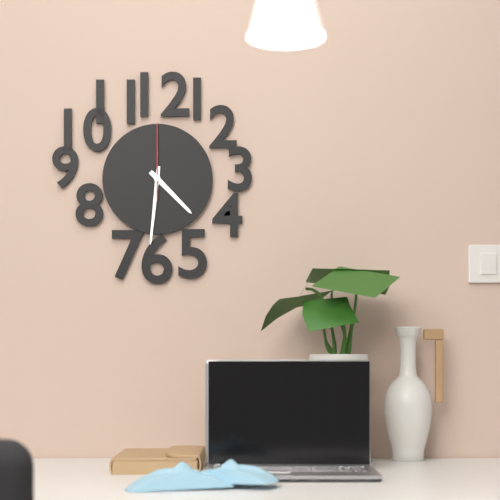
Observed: 4,31,00
